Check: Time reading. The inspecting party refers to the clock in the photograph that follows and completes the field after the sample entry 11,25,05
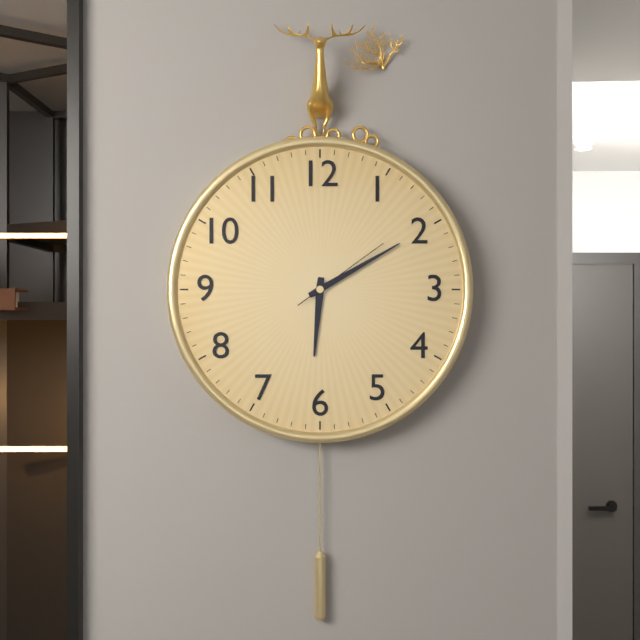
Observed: 6,10,09
